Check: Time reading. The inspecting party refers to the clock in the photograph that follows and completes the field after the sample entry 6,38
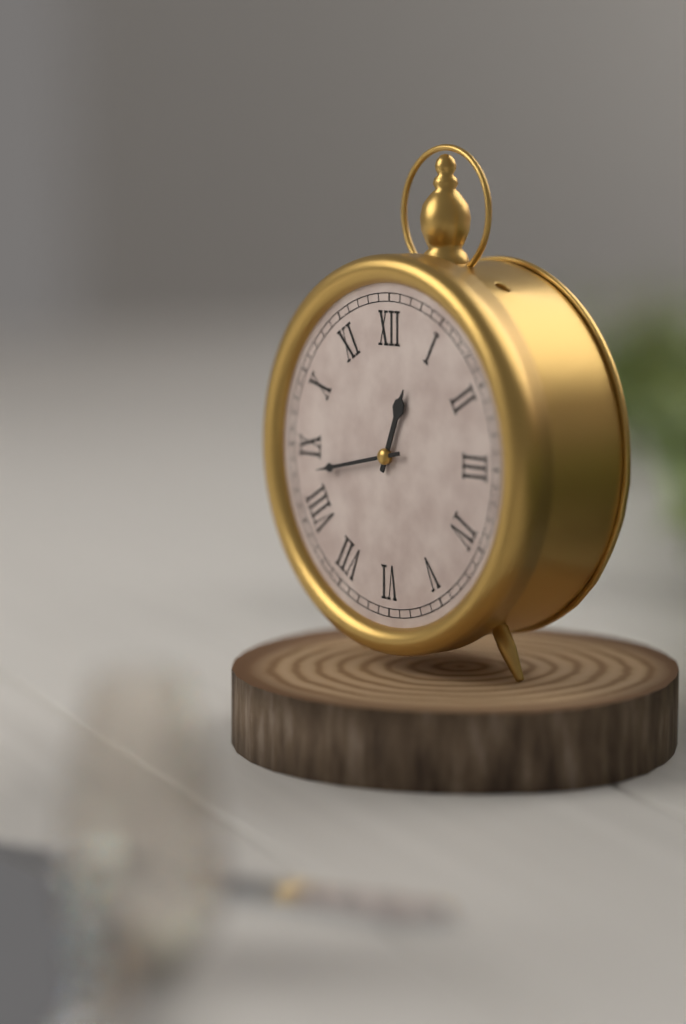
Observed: 12,43
